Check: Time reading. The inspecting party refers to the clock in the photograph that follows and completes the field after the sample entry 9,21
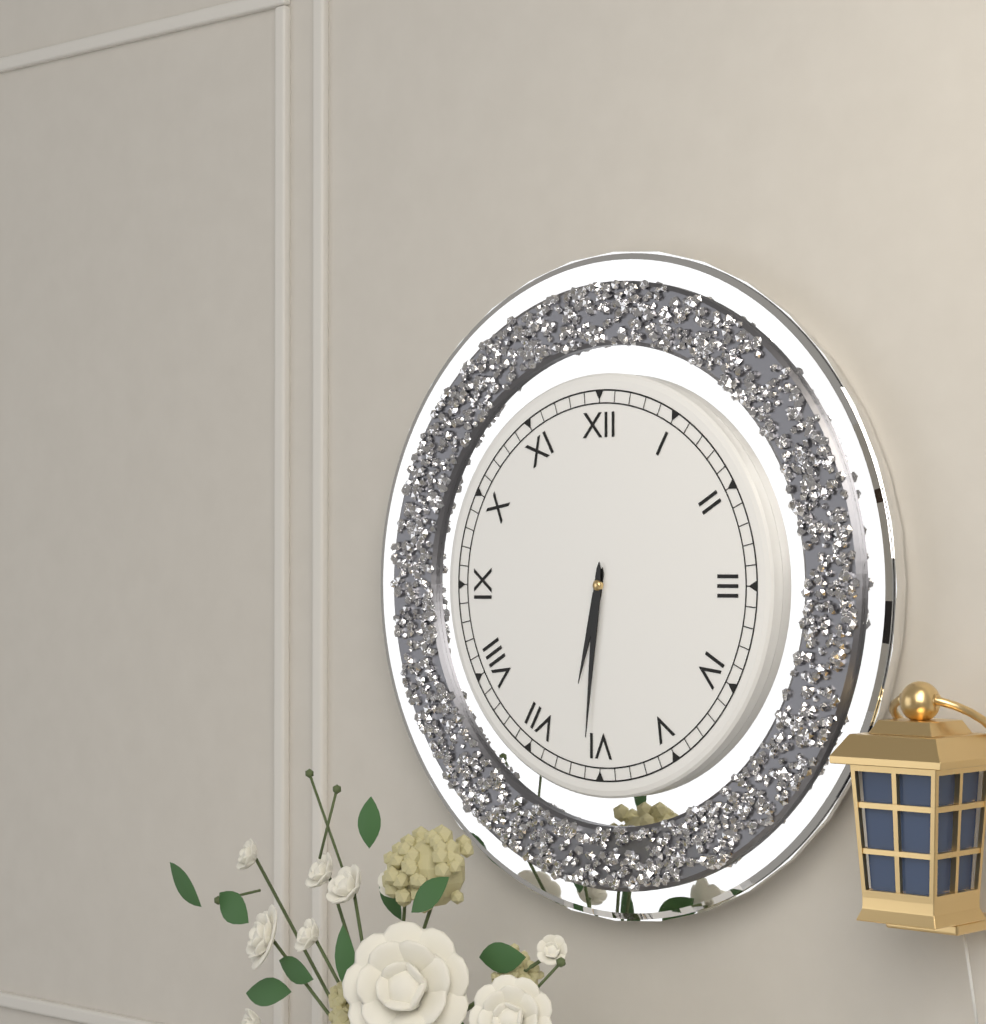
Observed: 6,31
